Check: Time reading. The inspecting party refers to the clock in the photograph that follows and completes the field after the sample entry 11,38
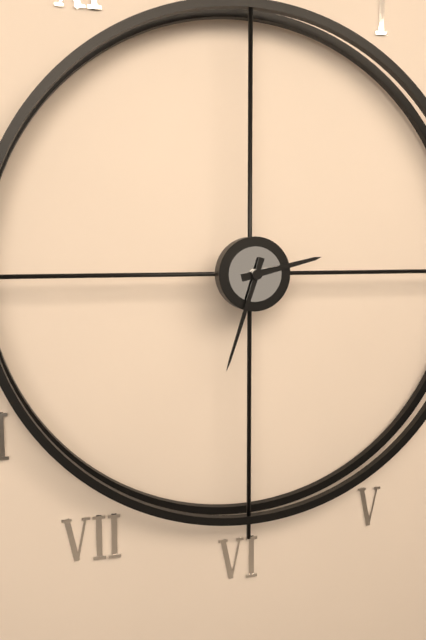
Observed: 2,33
